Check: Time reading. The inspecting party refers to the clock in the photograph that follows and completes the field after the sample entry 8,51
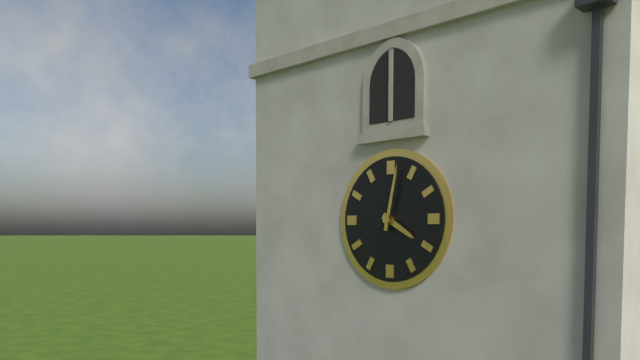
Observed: 4,02
